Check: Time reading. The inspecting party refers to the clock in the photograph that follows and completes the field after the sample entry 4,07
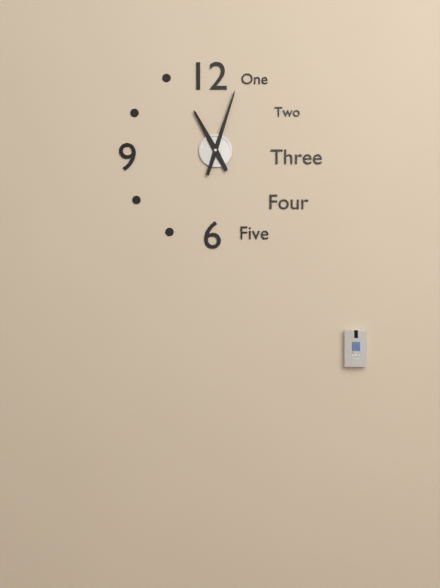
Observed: 11,03
